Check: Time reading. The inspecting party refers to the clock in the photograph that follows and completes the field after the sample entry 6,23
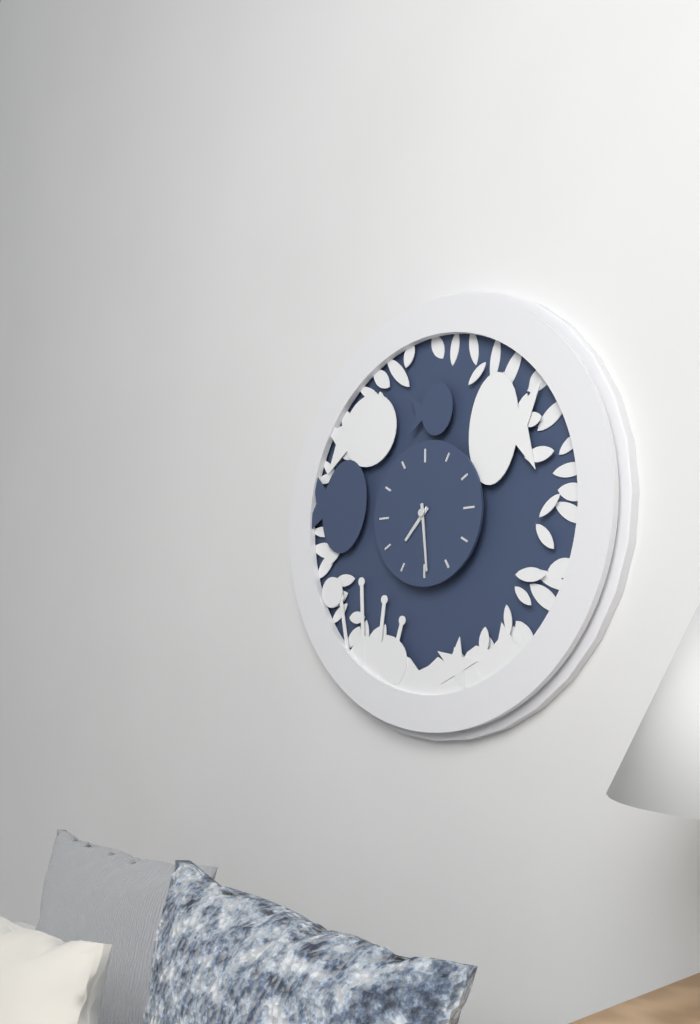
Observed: 7,29
